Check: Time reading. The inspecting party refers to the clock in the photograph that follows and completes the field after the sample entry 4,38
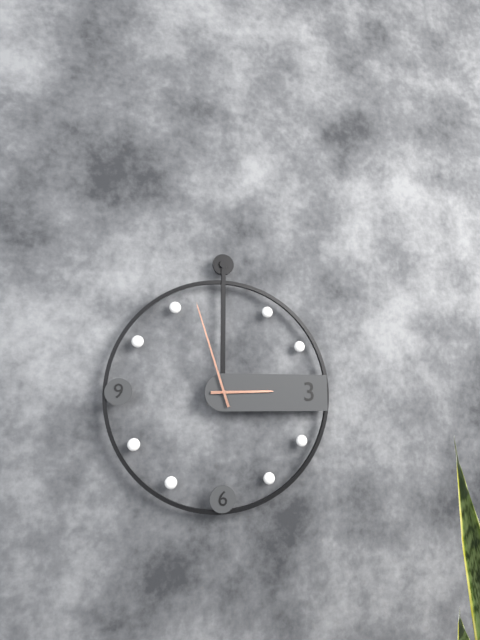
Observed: 2,57
